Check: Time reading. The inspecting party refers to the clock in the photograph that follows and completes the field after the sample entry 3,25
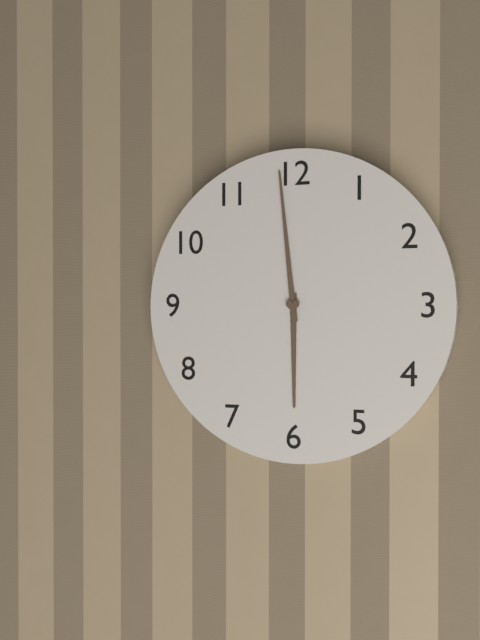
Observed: 5,59
